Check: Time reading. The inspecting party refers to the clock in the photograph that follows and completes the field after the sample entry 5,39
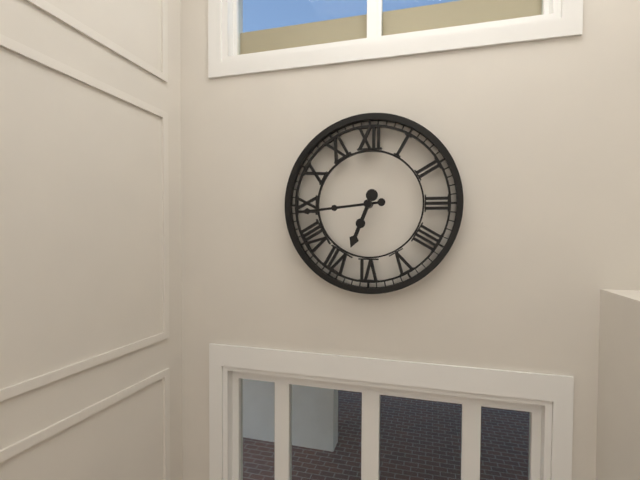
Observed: 6,44
